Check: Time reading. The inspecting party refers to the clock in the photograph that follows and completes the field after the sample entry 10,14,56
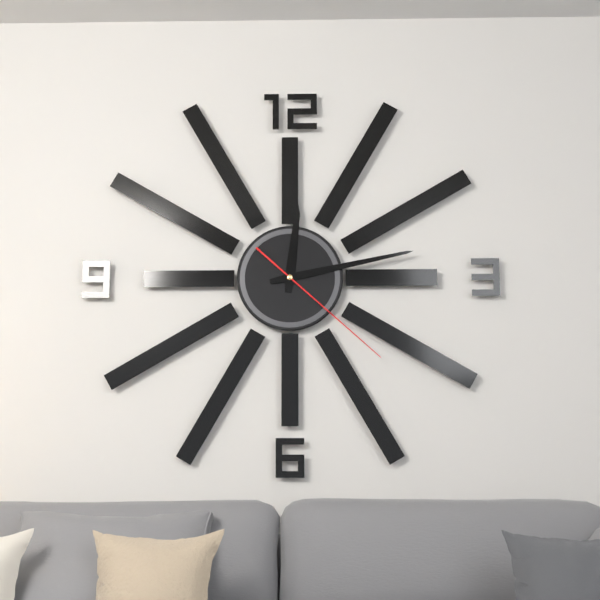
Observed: 12,13,22
